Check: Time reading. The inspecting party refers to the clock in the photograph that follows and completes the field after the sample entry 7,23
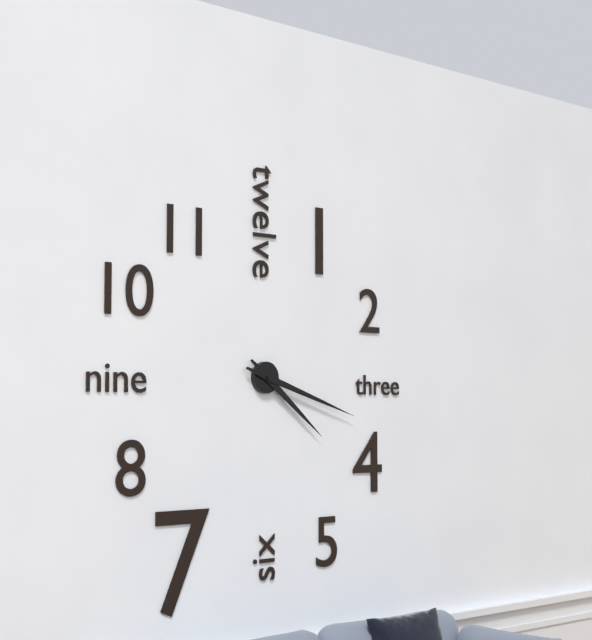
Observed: 4,18
